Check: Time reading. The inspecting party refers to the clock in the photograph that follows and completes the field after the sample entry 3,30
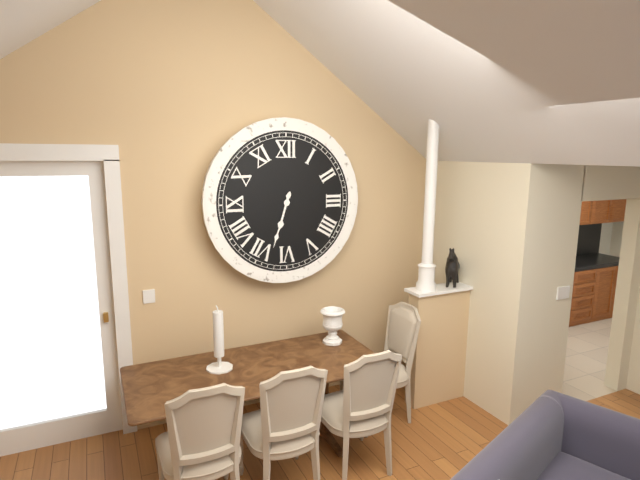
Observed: 6,33
